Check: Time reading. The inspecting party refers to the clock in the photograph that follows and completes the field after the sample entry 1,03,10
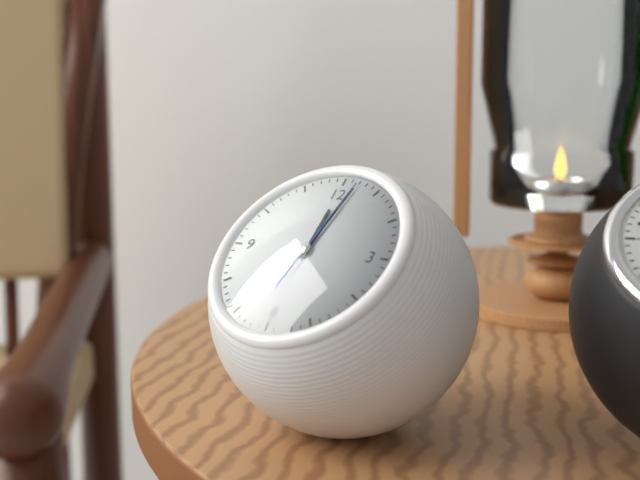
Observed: 12,02,02
